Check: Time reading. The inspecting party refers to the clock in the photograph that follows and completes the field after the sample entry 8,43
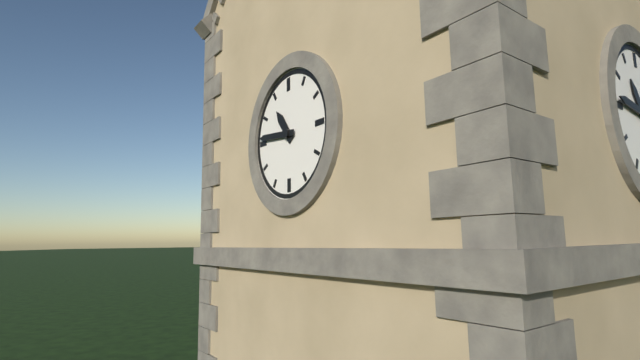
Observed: 10,46
